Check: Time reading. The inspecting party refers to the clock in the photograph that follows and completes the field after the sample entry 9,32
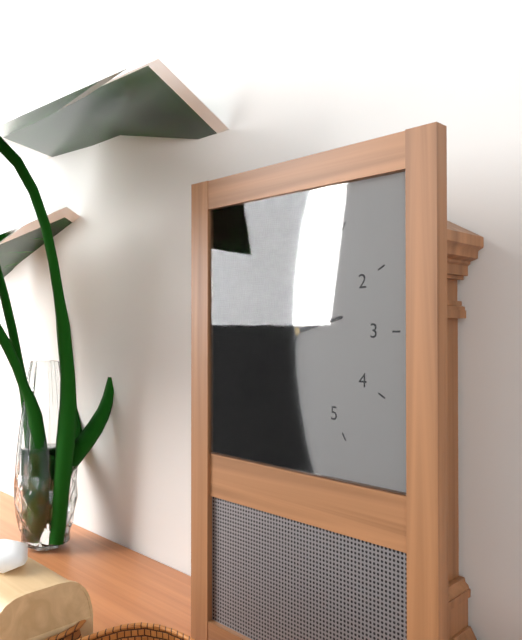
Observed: 2,33
